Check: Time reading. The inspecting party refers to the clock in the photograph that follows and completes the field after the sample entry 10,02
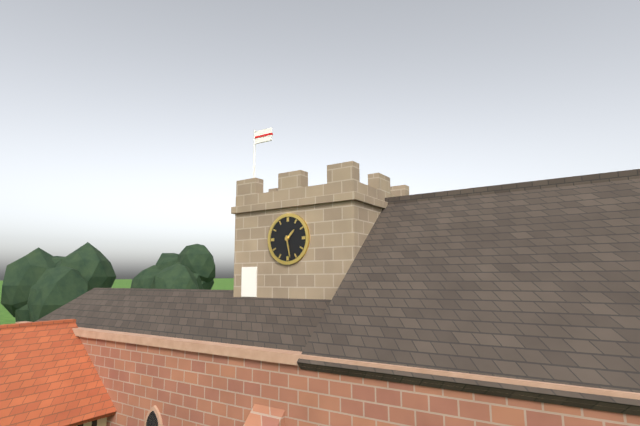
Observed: 1,28
